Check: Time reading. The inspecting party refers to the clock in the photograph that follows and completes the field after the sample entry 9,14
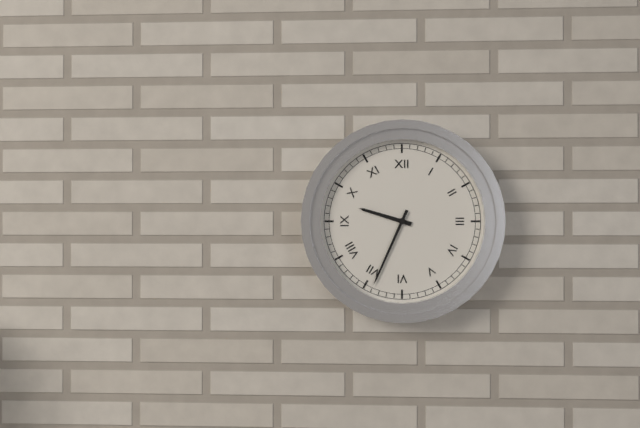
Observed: 9,34
